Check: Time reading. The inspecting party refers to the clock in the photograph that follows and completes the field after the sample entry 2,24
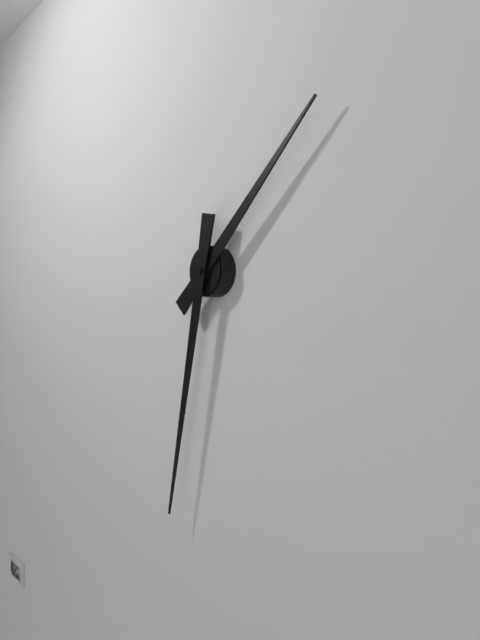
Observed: 1,32
